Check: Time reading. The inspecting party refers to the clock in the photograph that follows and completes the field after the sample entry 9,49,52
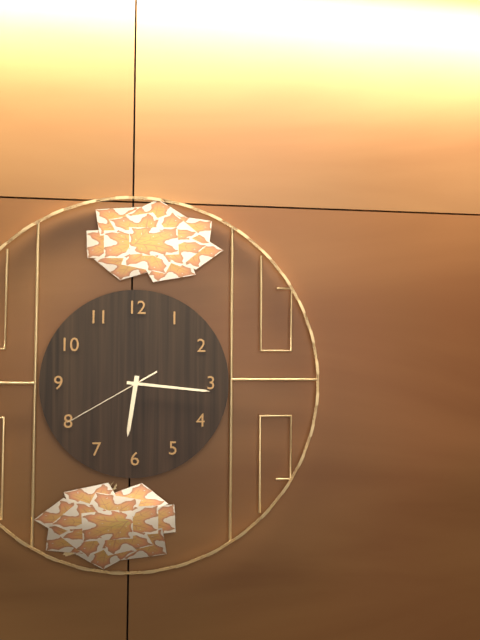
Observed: 6,16,40
